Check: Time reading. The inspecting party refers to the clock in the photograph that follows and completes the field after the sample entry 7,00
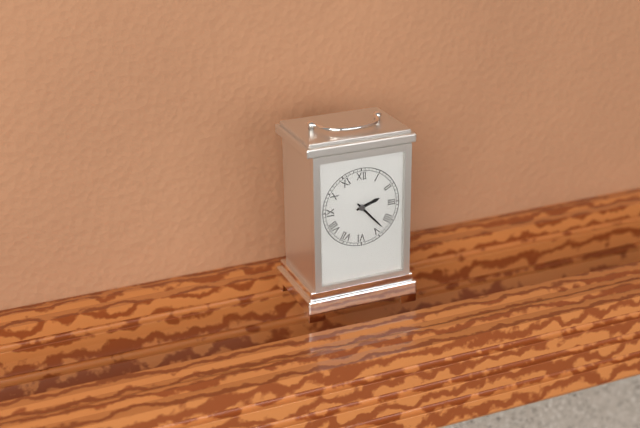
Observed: 2,23
